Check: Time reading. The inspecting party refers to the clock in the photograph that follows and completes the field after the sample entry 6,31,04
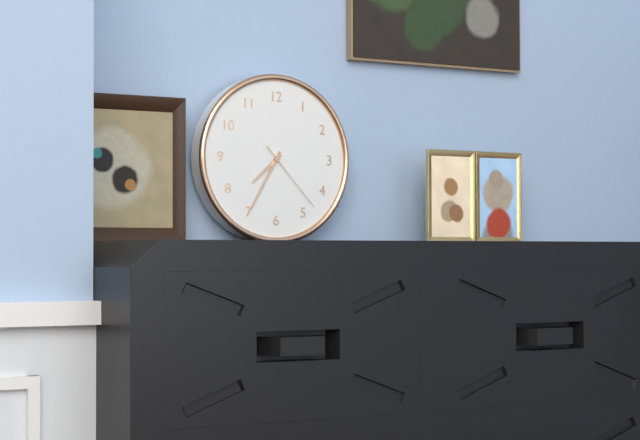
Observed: 7,35,23
